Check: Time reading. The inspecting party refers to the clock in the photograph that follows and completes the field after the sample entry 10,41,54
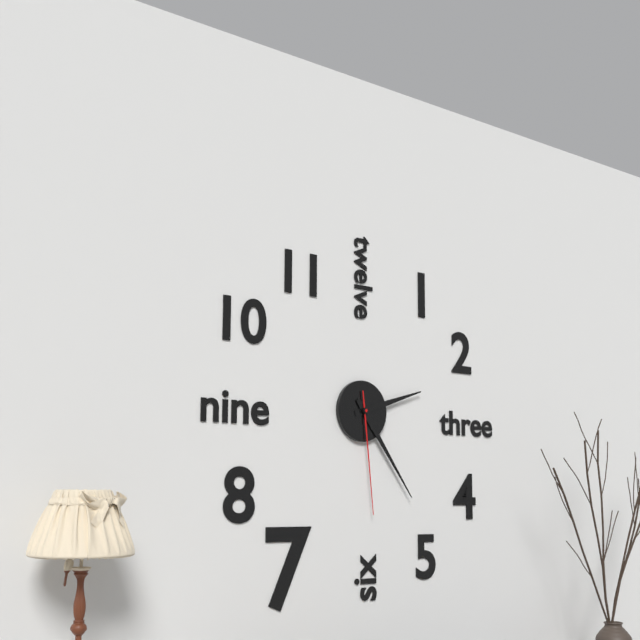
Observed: 2,24,29
